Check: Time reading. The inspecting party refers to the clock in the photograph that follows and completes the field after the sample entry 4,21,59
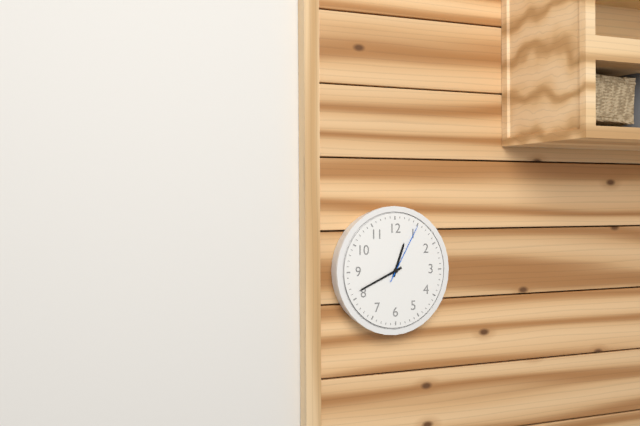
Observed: 12,41,05
